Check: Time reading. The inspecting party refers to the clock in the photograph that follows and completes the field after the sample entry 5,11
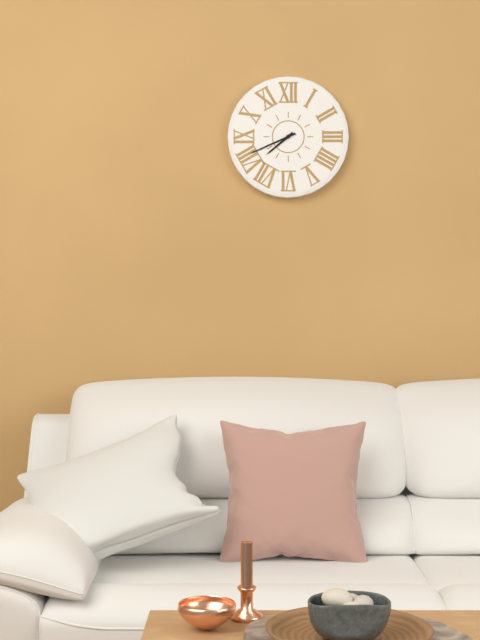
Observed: 7,41
